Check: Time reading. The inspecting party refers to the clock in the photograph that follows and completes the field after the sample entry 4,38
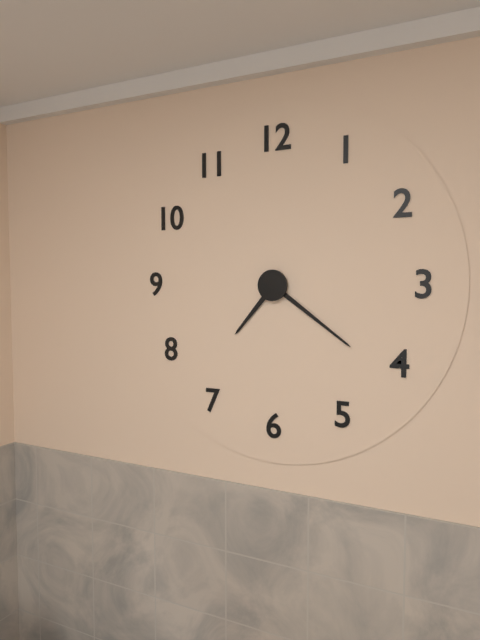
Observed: 7,21
